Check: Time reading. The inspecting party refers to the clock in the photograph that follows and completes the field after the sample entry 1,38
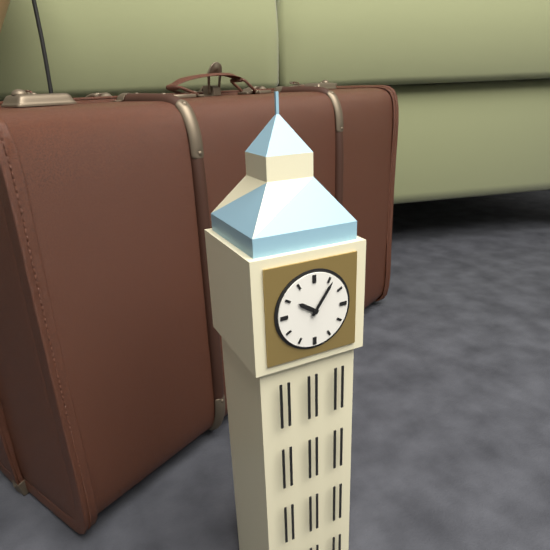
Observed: 10,06
